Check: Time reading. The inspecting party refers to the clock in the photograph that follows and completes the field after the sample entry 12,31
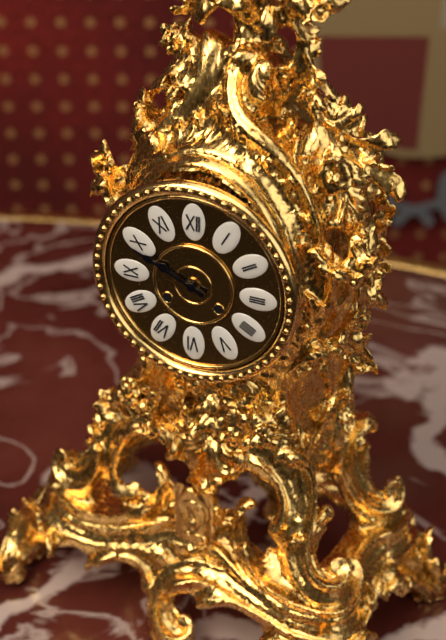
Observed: 9,49
